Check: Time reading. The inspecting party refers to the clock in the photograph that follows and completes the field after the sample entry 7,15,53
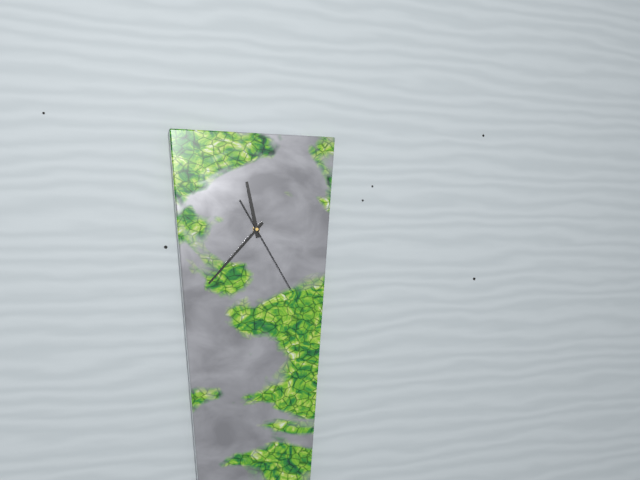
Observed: 11,37,25
